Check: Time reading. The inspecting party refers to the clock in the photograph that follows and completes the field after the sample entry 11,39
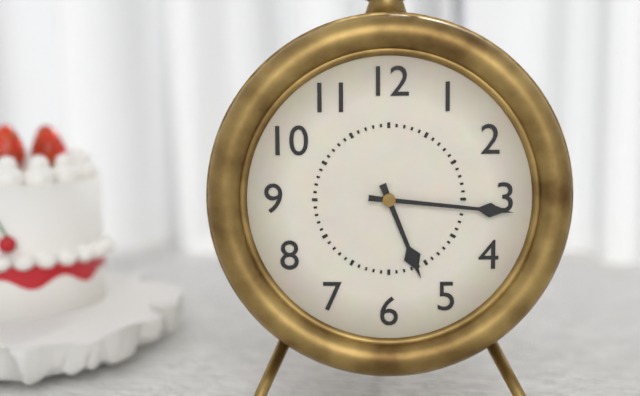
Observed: 5,16
